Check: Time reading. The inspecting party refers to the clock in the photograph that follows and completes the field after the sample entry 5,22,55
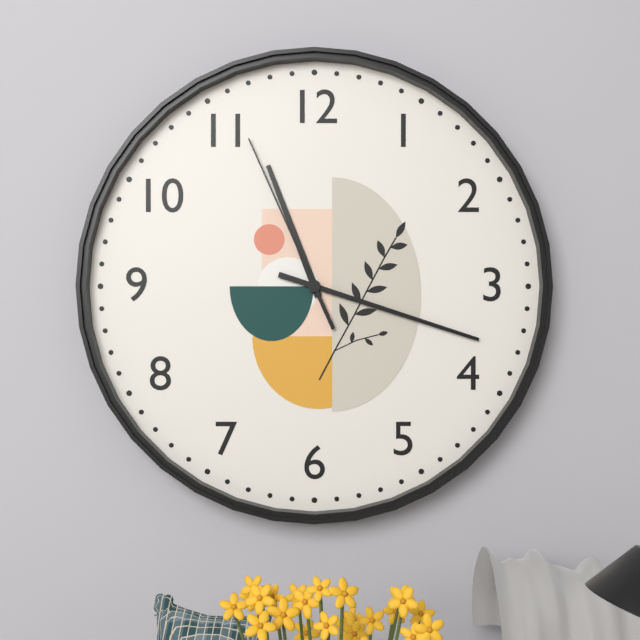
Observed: 11,18,56
